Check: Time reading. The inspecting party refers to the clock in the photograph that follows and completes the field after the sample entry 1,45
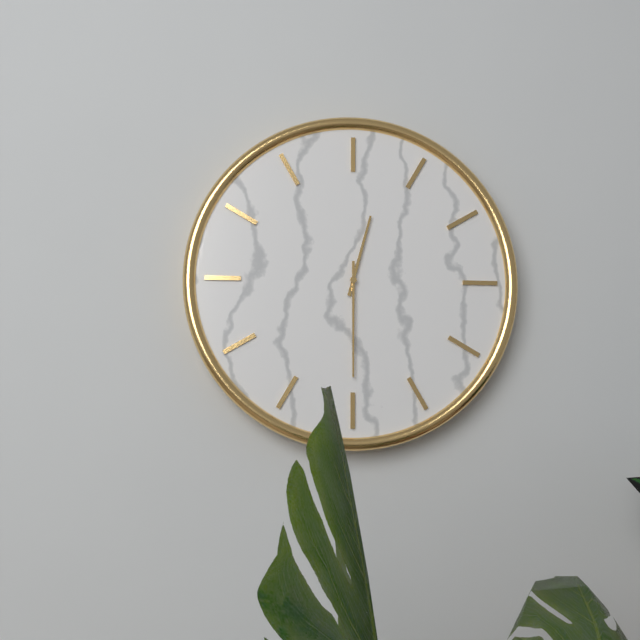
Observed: 12,30
